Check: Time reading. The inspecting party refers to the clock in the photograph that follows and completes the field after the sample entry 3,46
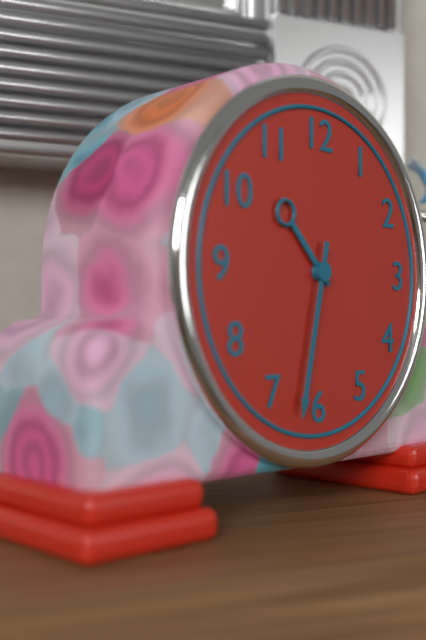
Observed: 10,32
